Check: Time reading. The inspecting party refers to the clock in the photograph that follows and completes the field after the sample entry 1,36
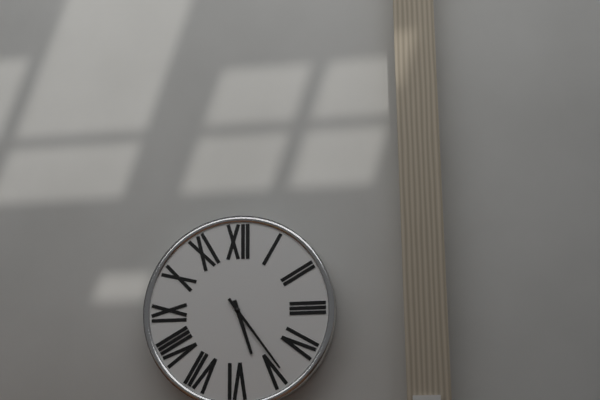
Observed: 5,24
